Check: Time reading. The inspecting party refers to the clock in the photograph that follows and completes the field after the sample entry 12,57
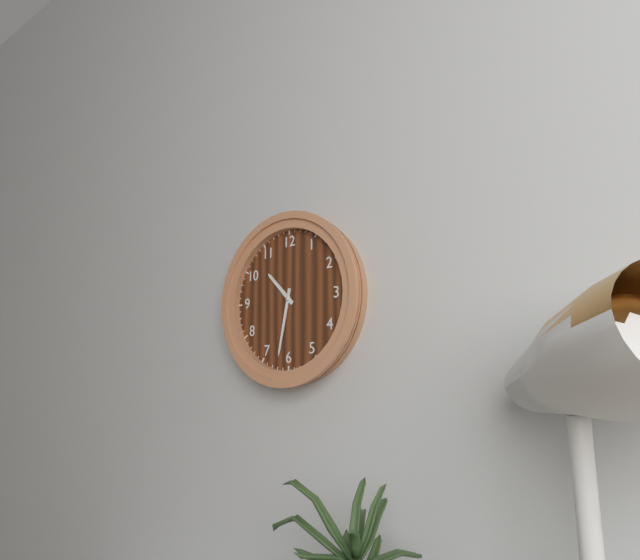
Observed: 10,32
